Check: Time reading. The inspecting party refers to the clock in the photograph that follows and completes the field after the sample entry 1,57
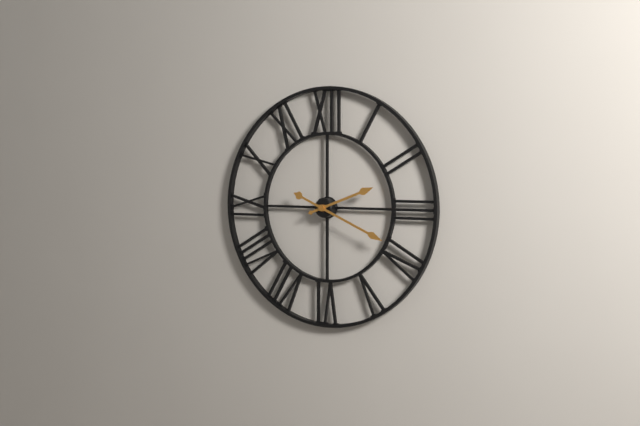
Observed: 2,19
